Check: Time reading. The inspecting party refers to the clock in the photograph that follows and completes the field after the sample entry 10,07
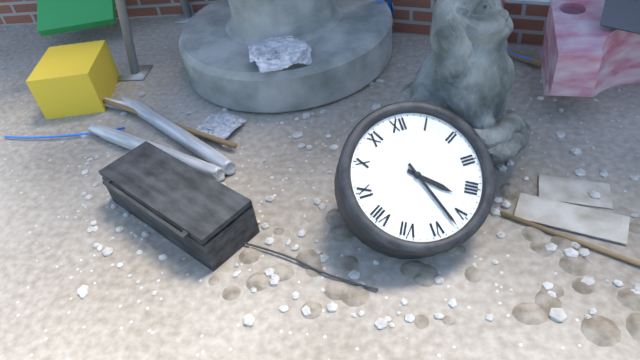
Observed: 4,27
